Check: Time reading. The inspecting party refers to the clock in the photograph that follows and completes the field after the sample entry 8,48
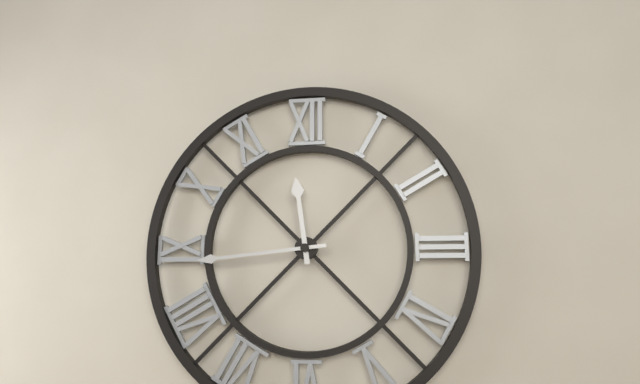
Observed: 11,44
